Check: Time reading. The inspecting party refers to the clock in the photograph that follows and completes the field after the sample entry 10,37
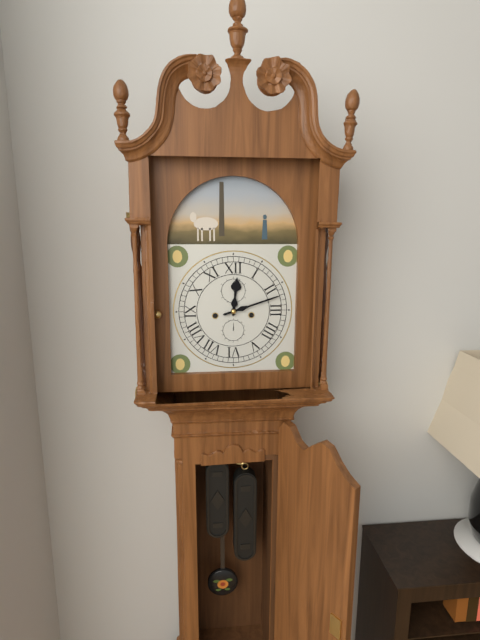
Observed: 12,12
